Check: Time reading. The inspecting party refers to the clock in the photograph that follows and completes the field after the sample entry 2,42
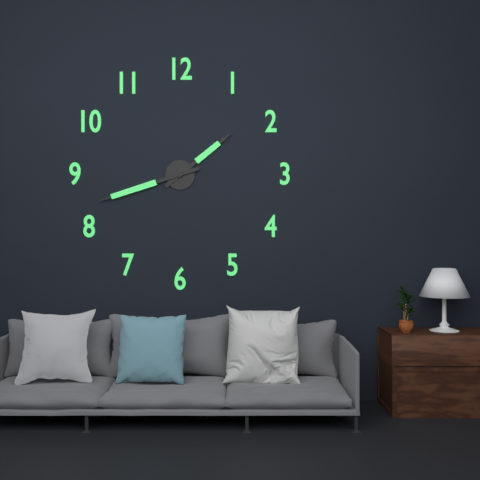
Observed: 1,42
